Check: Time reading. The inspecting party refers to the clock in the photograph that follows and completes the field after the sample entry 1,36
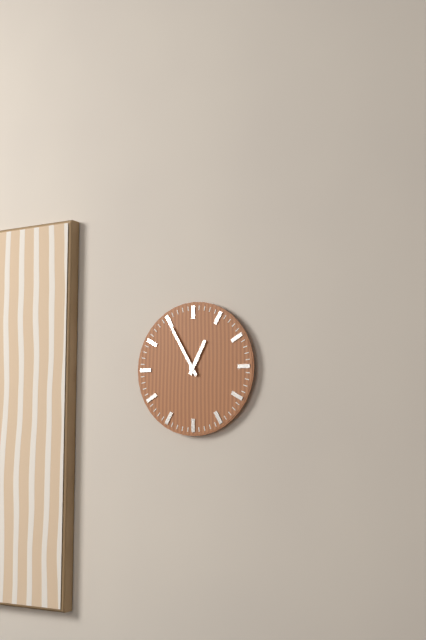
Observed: 12,55
